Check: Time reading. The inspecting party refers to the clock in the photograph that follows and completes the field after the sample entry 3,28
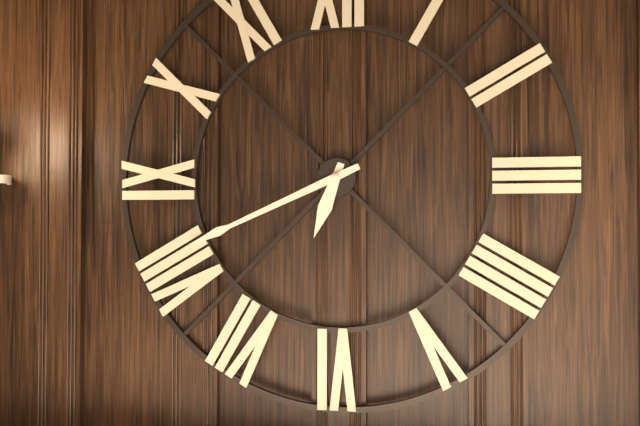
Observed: 6,41
